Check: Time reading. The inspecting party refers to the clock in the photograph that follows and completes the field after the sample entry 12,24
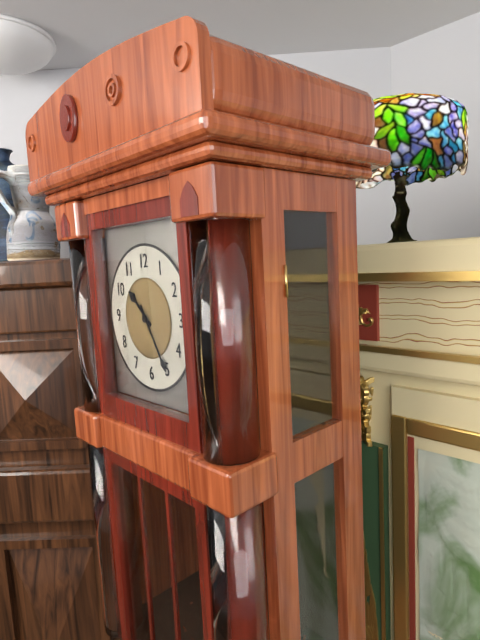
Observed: 10,25
